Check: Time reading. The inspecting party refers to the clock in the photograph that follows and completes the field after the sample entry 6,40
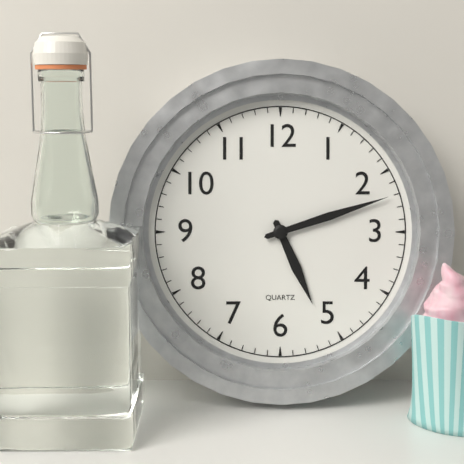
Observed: 5,12
